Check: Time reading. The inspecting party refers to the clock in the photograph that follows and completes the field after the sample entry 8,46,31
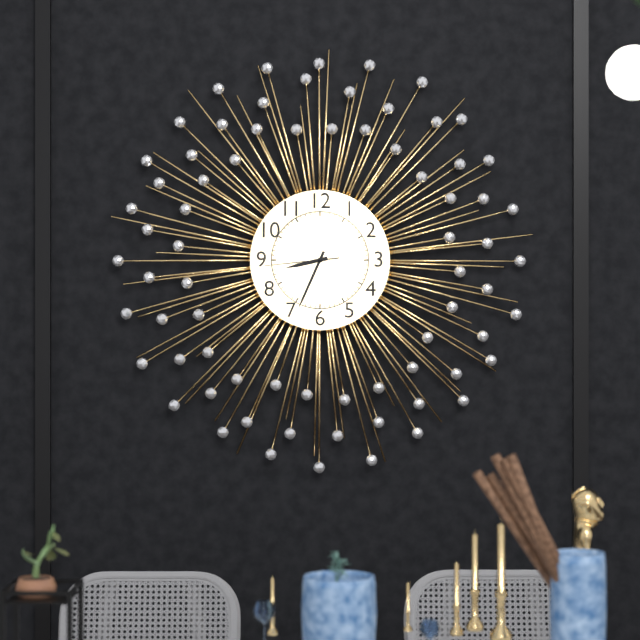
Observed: 8,34,44
